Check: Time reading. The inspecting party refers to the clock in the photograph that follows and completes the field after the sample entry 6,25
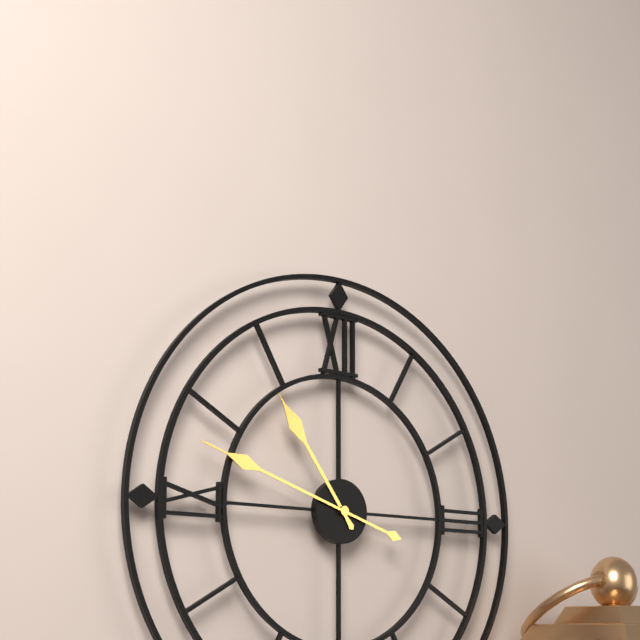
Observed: 10,48
